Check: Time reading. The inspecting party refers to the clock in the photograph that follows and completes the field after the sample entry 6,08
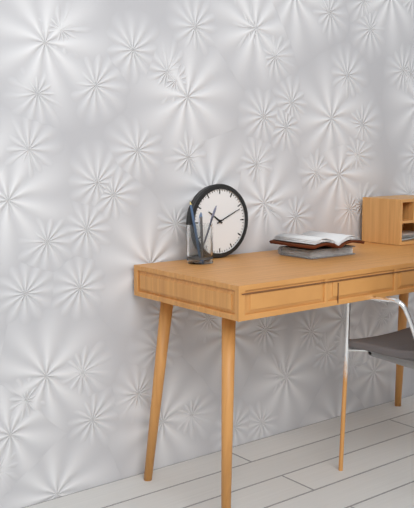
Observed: 10,11
